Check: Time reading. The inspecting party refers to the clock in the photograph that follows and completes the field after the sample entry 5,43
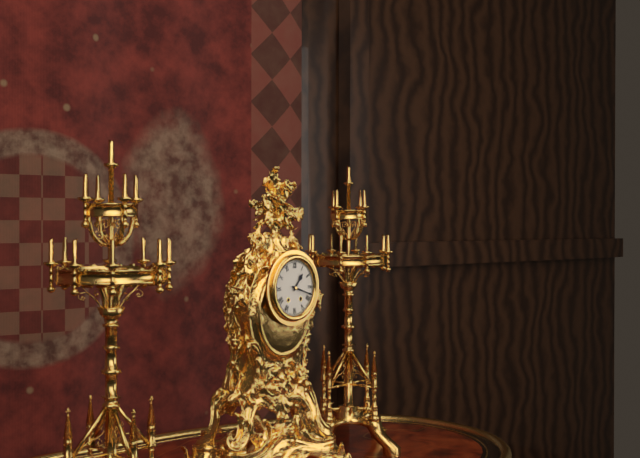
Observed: 1,18
